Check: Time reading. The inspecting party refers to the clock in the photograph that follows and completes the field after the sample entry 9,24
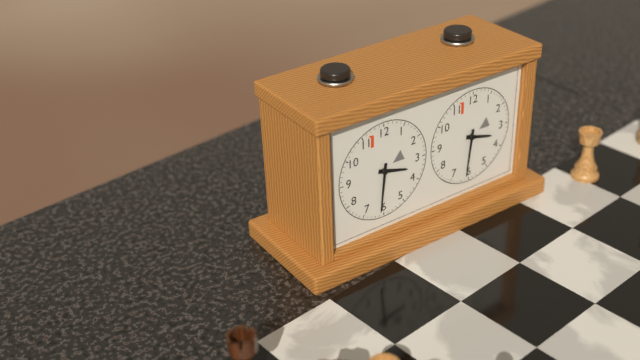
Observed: 3,31
